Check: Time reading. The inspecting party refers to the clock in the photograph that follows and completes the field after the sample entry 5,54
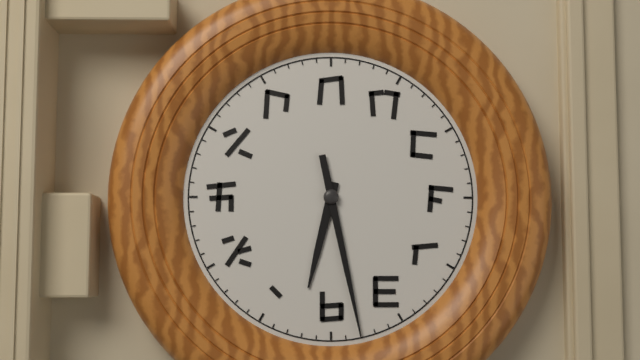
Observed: 6,28
